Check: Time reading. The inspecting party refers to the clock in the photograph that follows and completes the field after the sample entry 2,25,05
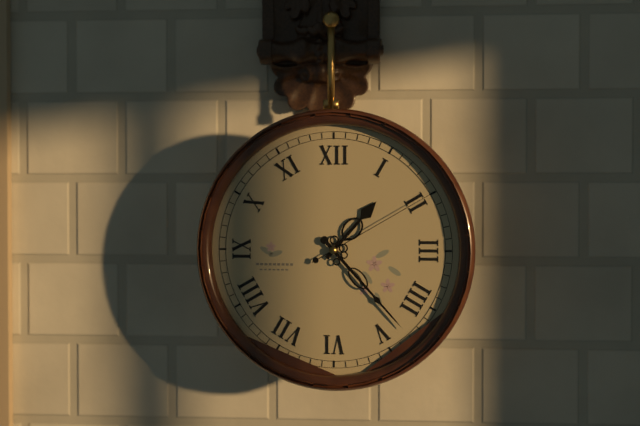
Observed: 1,23,10
